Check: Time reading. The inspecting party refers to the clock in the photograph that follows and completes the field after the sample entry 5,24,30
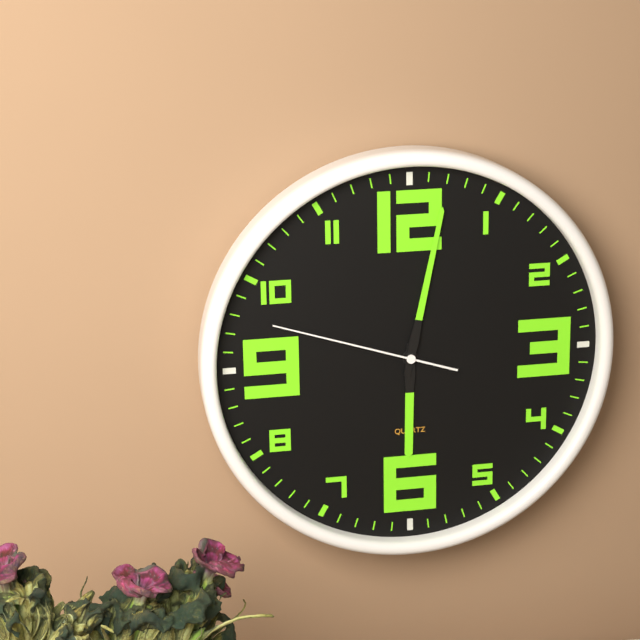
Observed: 6,02,48
